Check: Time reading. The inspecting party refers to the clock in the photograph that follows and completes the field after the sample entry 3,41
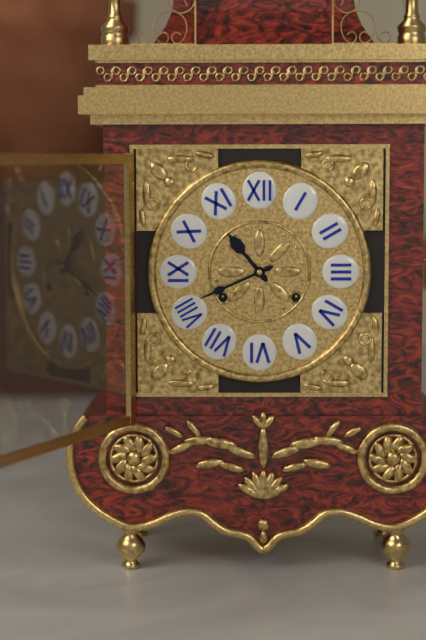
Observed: 10,41
